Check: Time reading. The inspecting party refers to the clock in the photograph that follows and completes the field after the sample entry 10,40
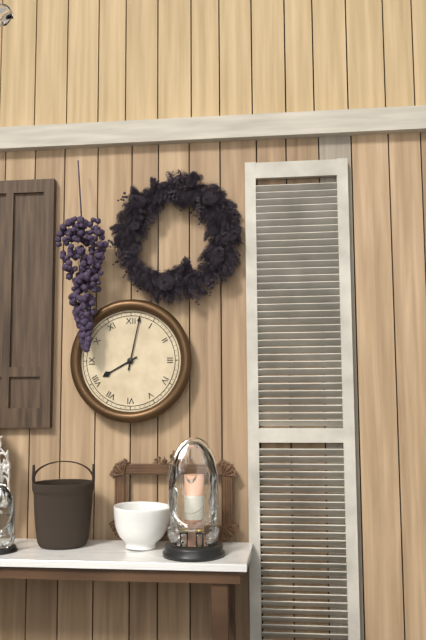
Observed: 8,02
